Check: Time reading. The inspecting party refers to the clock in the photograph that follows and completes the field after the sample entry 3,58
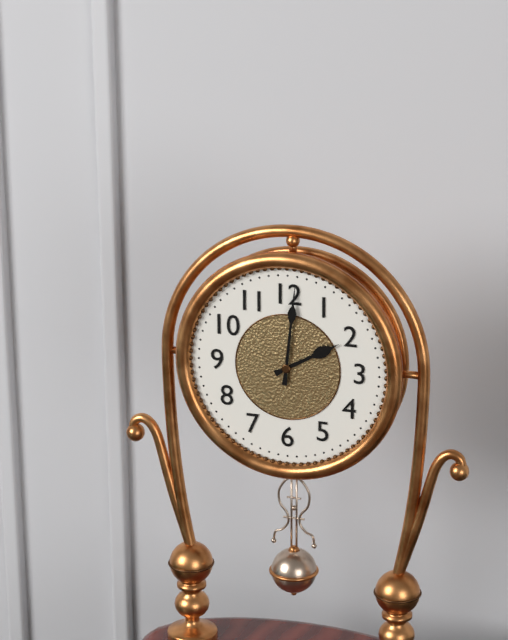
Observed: 2,01
